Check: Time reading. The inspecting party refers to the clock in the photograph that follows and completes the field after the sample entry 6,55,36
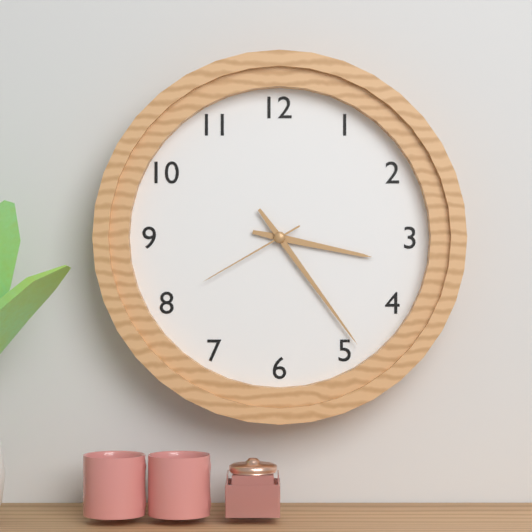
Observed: 3,24,40
